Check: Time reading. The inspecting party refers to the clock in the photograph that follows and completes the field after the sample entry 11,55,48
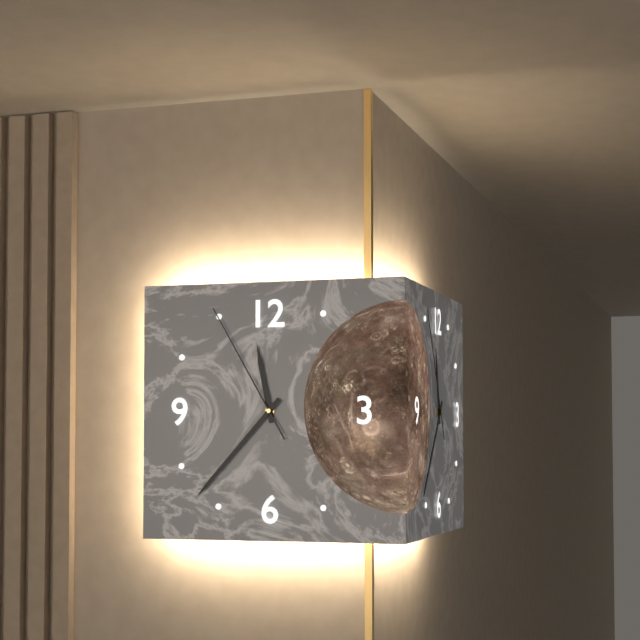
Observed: 11,37,55
